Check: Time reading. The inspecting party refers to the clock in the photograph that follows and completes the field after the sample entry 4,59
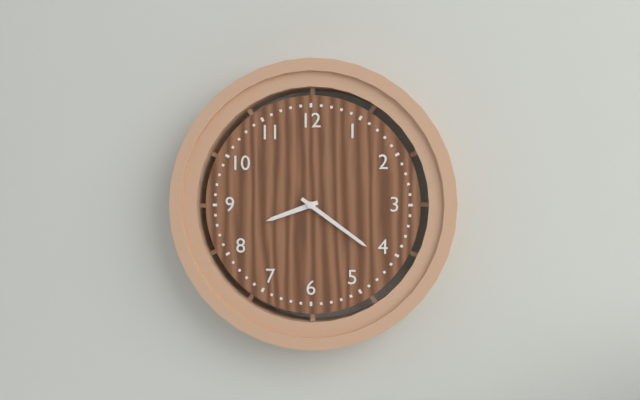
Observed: 8,21
